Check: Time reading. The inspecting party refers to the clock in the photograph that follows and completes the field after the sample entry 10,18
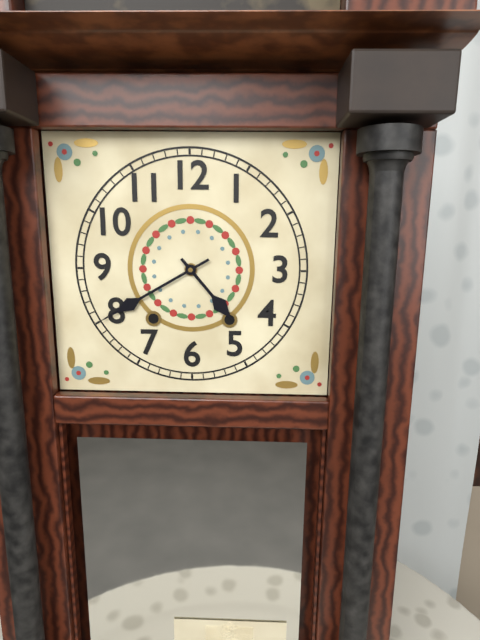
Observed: 4,40
